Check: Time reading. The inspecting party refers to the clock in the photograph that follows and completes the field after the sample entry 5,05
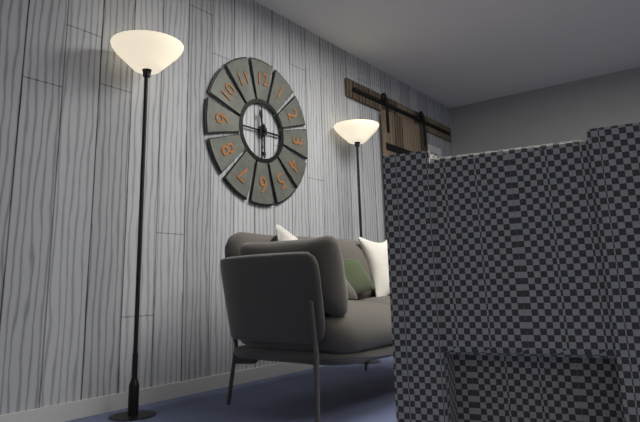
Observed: 11,30
